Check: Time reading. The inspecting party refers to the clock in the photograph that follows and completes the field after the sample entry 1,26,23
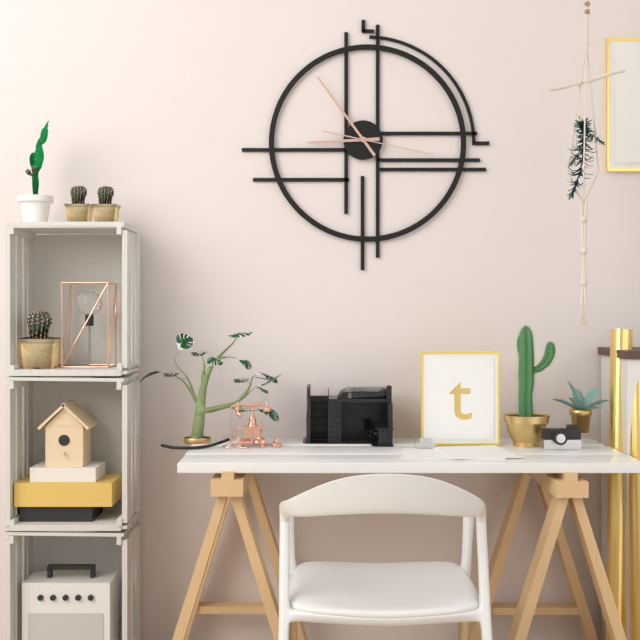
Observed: 8,54,17
